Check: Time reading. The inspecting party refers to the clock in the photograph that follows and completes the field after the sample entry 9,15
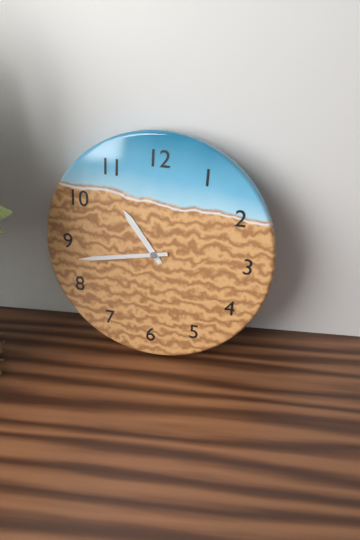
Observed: 10,43
